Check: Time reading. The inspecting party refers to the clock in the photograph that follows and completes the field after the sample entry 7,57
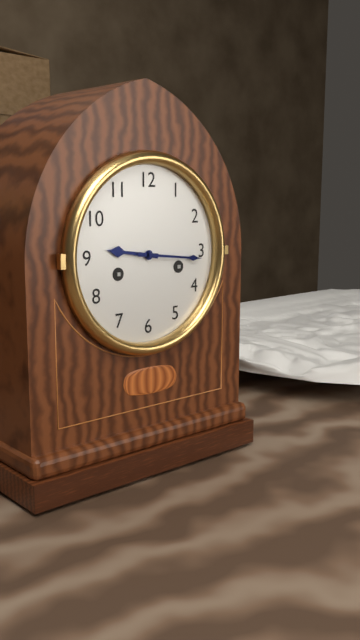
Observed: 9,16
